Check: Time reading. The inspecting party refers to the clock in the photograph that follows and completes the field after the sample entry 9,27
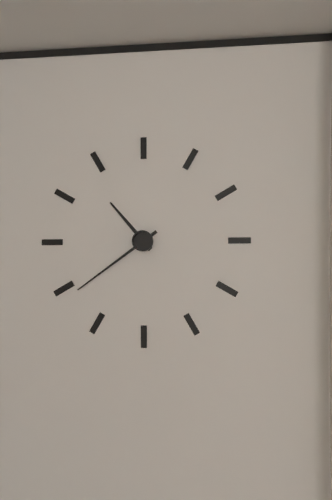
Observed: 10,39
